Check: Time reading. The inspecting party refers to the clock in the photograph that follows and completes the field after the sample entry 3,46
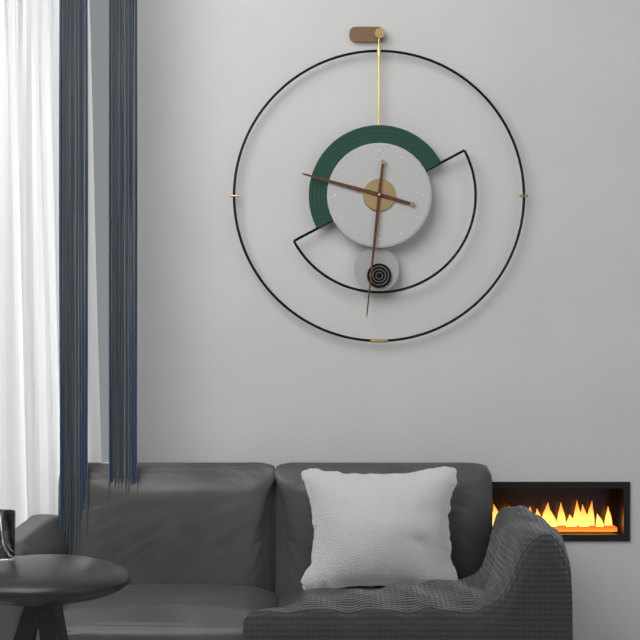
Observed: 9,31
